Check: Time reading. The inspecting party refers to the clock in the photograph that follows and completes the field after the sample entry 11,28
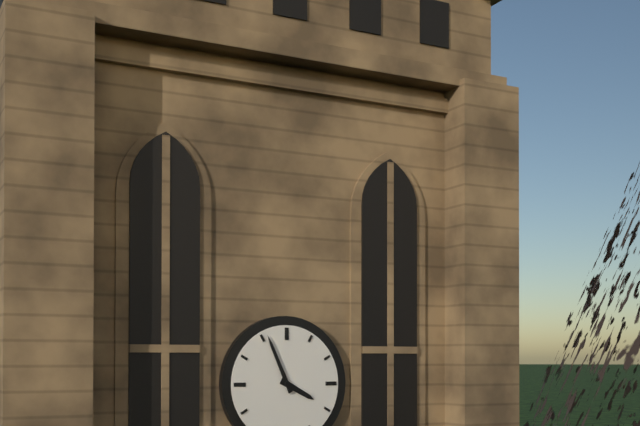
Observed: 3,56
